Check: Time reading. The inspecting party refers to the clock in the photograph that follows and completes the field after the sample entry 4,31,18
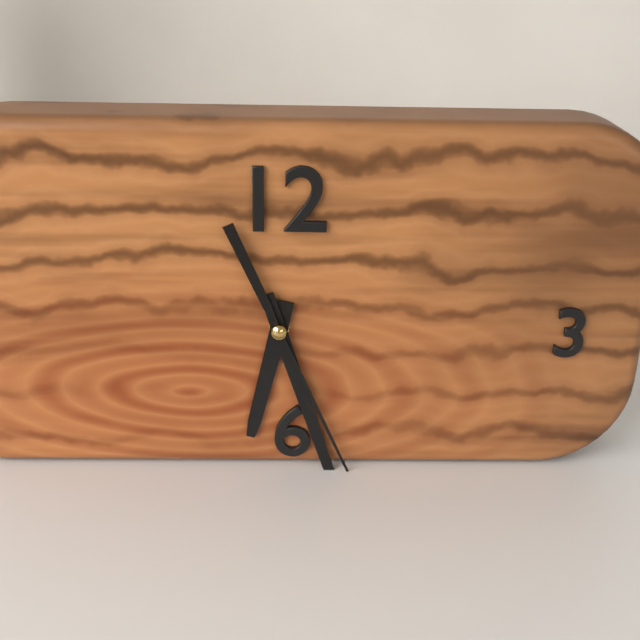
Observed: 6,27,26
